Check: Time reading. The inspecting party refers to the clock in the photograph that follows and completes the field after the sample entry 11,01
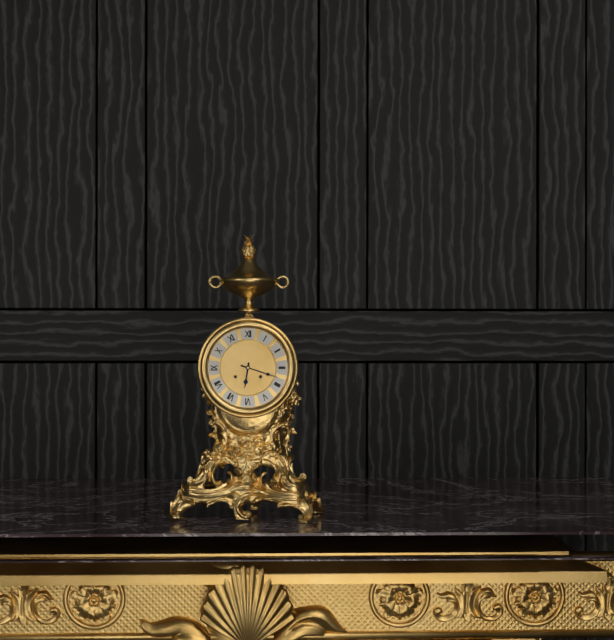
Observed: 6,18
